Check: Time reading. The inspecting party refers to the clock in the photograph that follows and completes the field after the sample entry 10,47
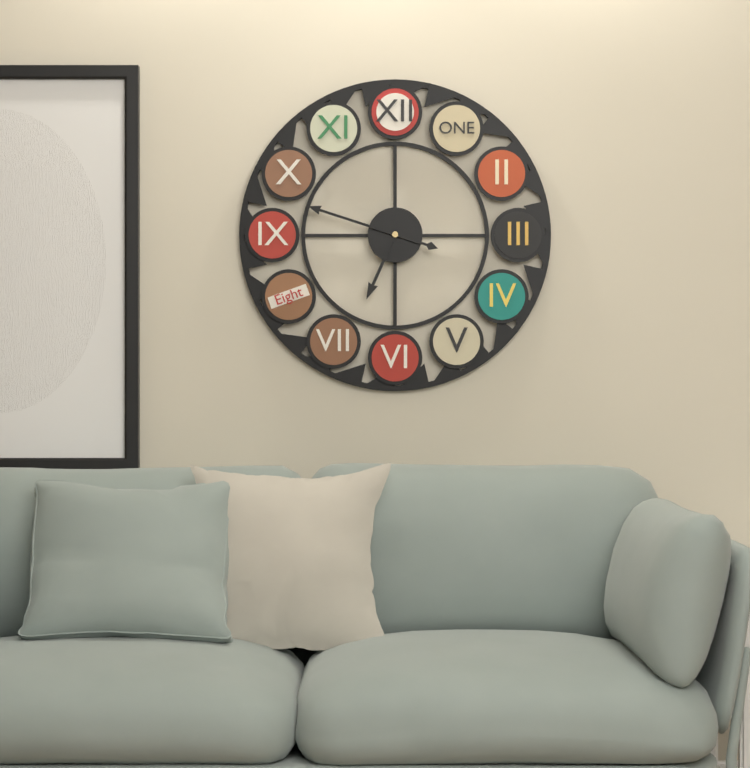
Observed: 6,48
